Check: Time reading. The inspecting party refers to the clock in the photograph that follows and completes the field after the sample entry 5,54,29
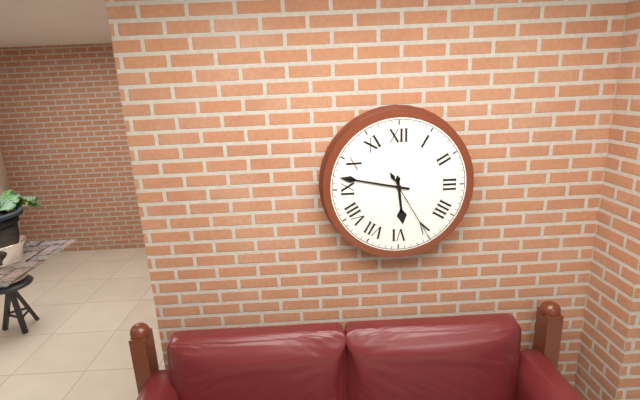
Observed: 5,47,25
